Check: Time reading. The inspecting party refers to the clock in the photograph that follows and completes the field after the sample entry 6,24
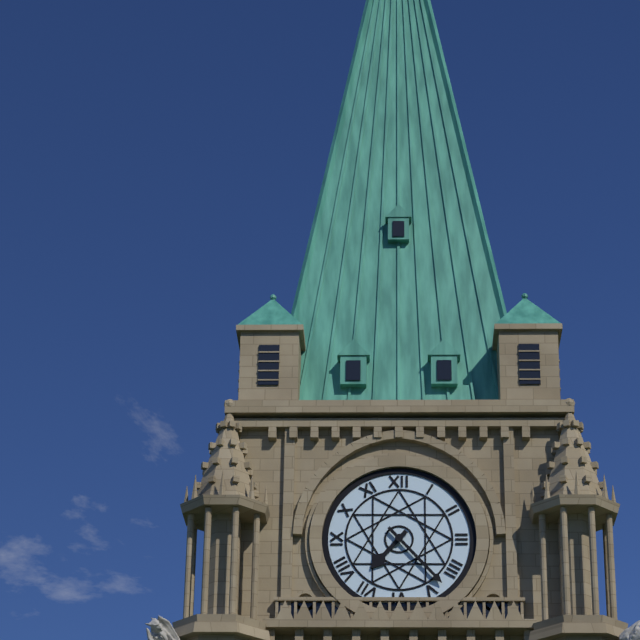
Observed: 7,23
